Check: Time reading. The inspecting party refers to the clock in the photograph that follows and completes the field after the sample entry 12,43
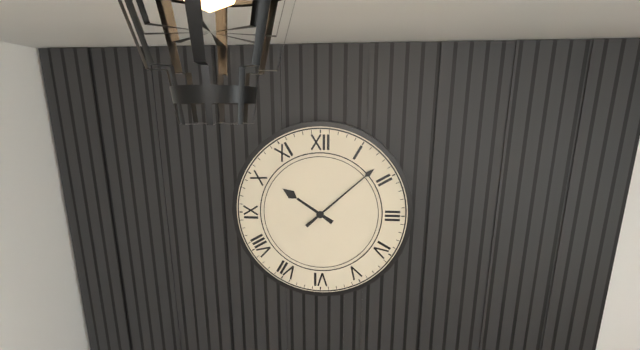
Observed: 10,08
